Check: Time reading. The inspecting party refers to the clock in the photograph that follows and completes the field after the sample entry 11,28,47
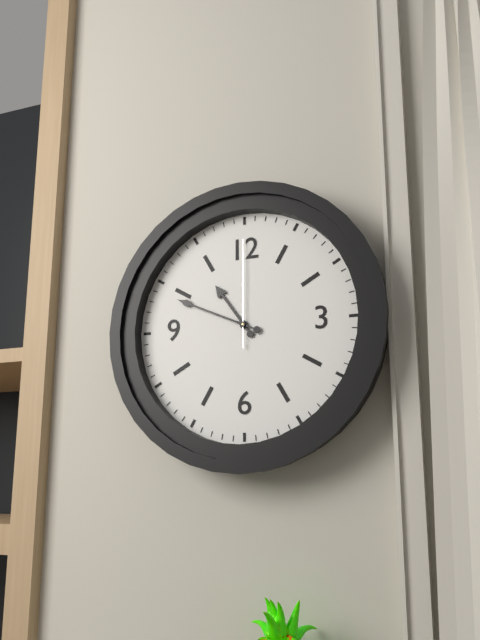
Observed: 10,49,00
